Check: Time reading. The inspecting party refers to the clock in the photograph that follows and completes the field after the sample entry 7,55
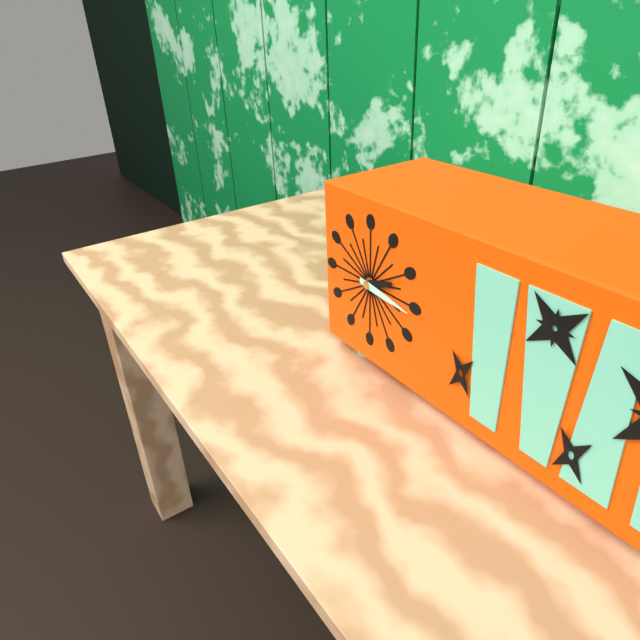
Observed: 2,16
